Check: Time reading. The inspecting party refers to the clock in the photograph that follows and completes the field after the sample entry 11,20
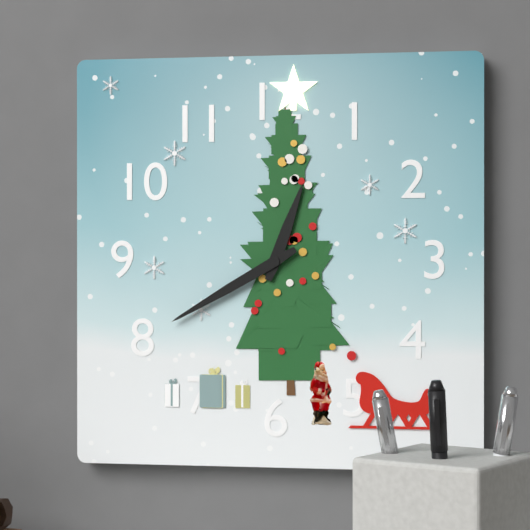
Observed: 12,40
